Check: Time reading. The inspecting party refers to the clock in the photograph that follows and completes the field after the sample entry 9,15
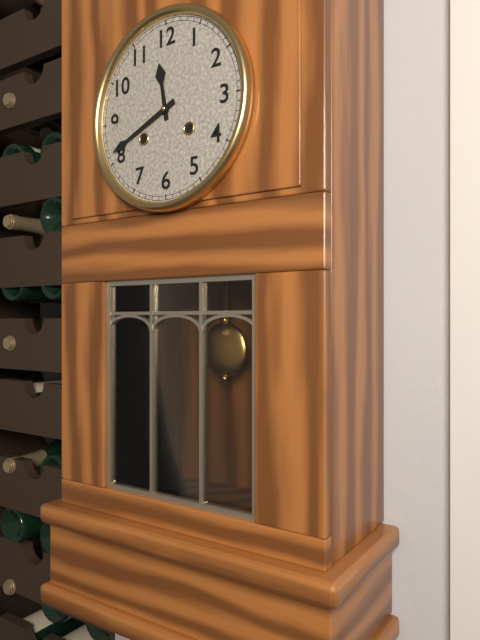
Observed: 11,41
